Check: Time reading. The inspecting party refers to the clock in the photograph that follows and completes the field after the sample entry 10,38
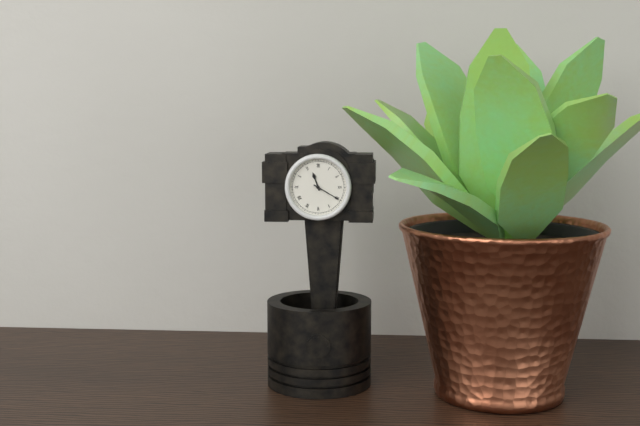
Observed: 11,20
